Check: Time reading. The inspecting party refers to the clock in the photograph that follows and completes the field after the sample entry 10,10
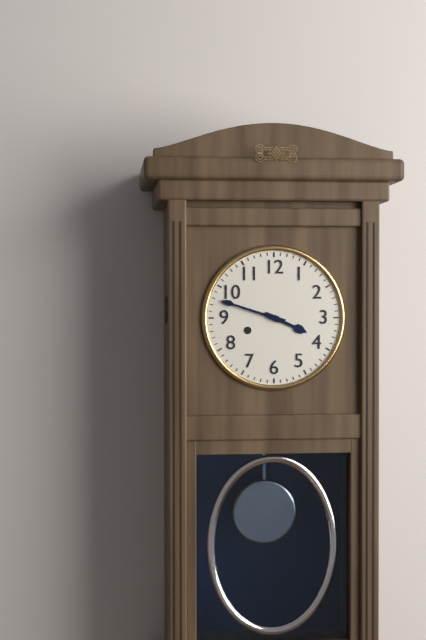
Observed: 3,48
